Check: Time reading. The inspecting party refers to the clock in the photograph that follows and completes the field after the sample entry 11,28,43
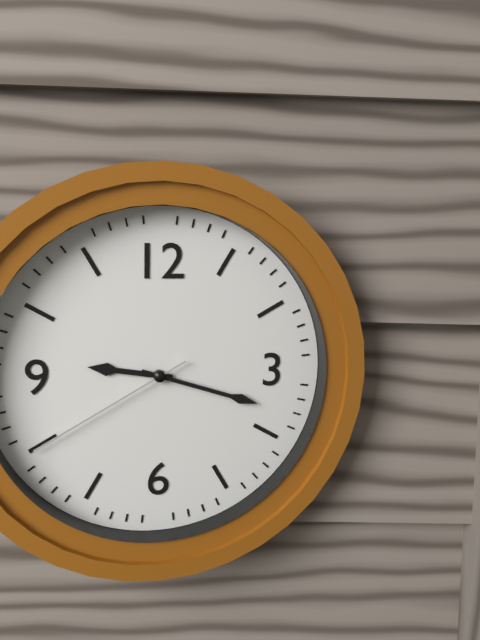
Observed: 9,18,40
